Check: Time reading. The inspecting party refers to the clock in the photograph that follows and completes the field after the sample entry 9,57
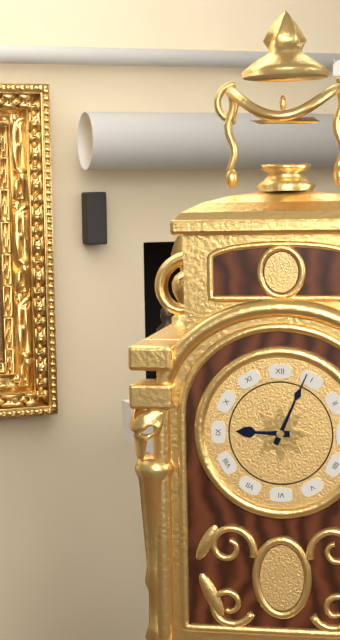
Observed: 9,04
